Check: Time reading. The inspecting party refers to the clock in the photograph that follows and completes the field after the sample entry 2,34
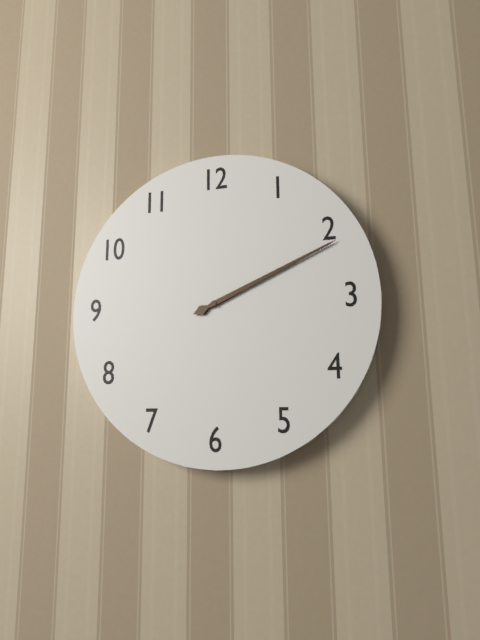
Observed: 2,11
